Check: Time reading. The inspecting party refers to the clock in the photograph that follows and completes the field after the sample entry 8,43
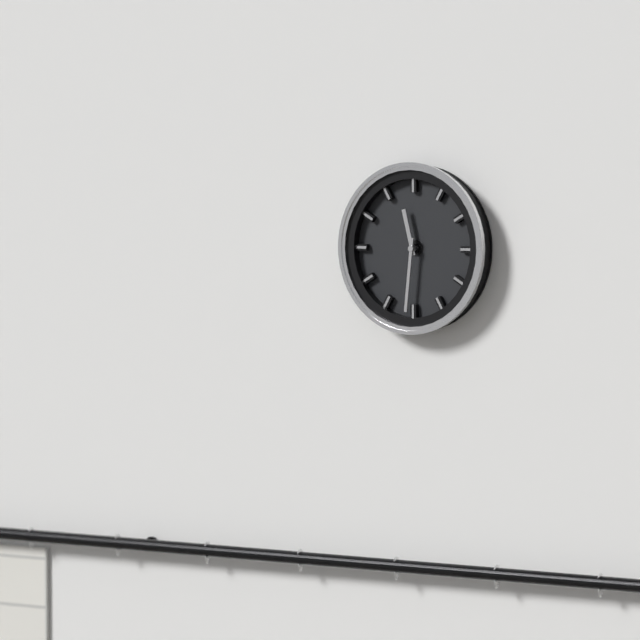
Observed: 11,31
